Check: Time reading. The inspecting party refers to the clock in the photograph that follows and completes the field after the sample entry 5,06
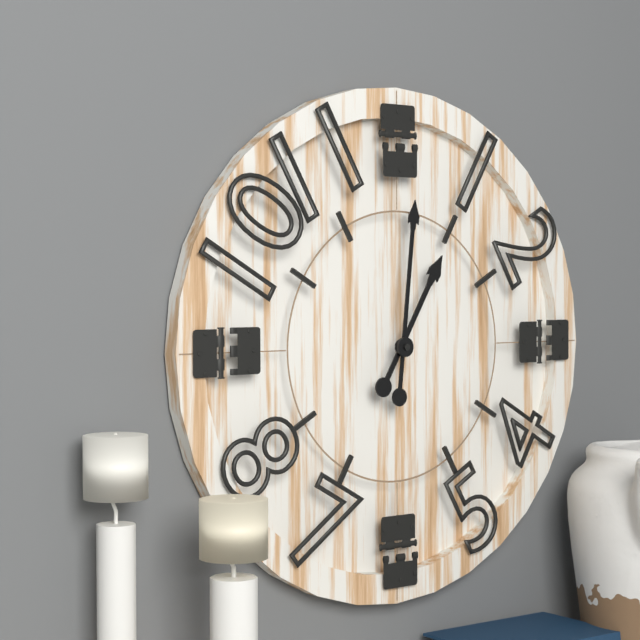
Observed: 1,01
